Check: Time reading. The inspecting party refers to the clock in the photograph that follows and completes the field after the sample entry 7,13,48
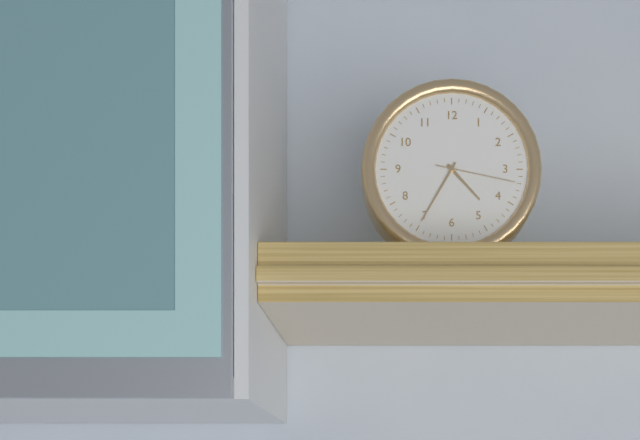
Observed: 4,35,17
